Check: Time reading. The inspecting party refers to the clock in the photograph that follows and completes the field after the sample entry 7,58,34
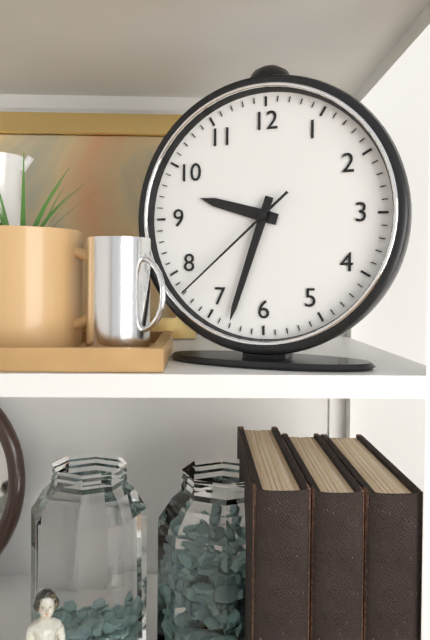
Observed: 9,33,38
